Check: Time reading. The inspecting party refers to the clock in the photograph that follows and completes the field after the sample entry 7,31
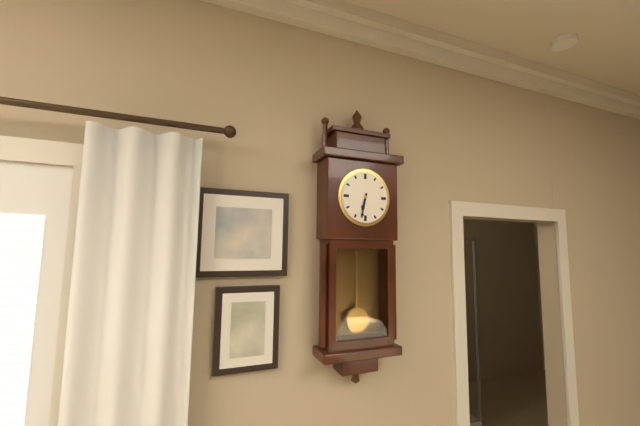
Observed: 6,32
